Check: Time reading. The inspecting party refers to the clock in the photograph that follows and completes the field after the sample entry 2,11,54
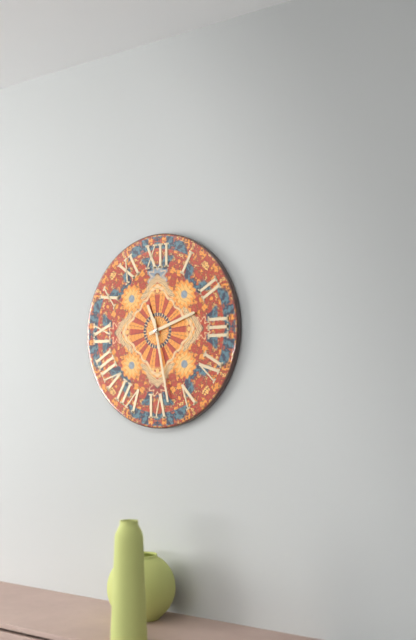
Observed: 11,12,28
